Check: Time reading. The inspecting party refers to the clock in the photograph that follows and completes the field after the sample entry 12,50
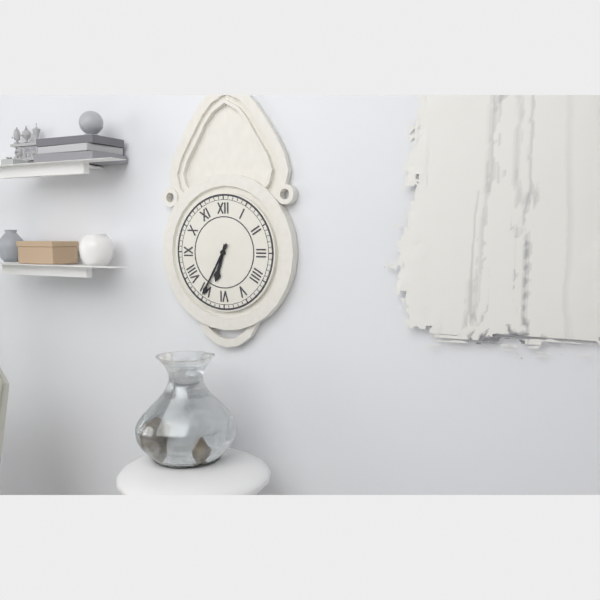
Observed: 6,35
